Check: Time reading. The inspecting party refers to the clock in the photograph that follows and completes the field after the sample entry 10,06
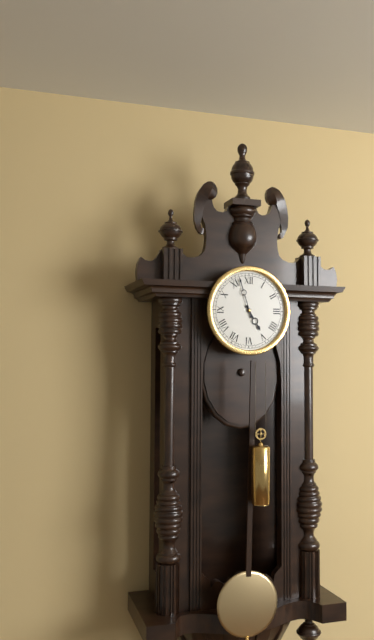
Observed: 4,57
